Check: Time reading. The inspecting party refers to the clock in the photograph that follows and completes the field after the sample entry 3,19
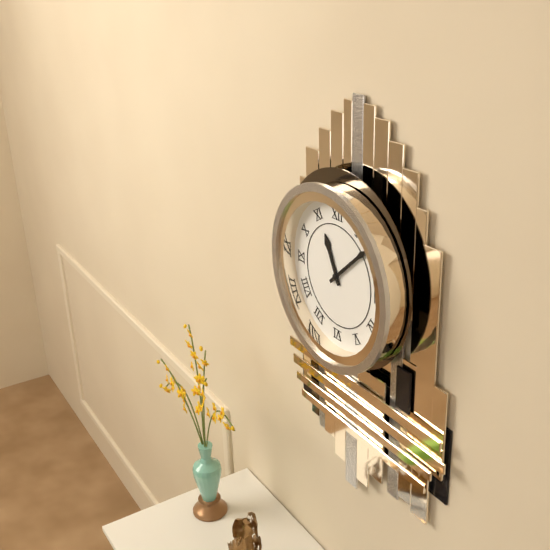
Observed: 11,08
